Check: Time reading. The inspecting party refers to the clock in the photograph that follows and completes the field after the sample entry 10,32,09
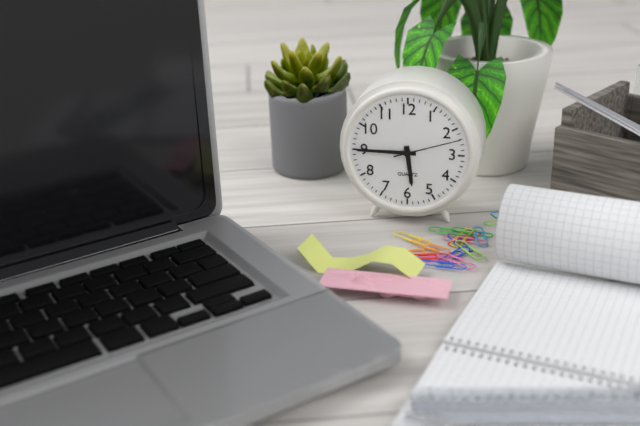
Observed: 5,45,12
